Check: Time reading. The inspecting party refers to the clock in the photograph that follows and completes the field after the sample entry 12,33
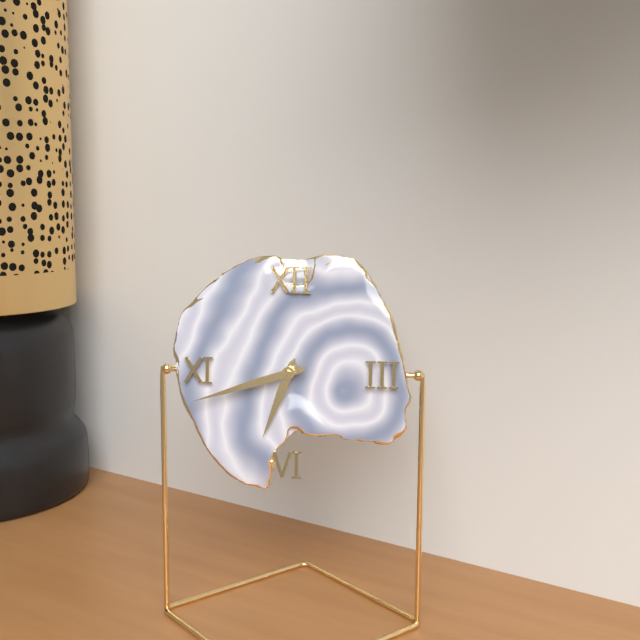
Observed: 6,42
